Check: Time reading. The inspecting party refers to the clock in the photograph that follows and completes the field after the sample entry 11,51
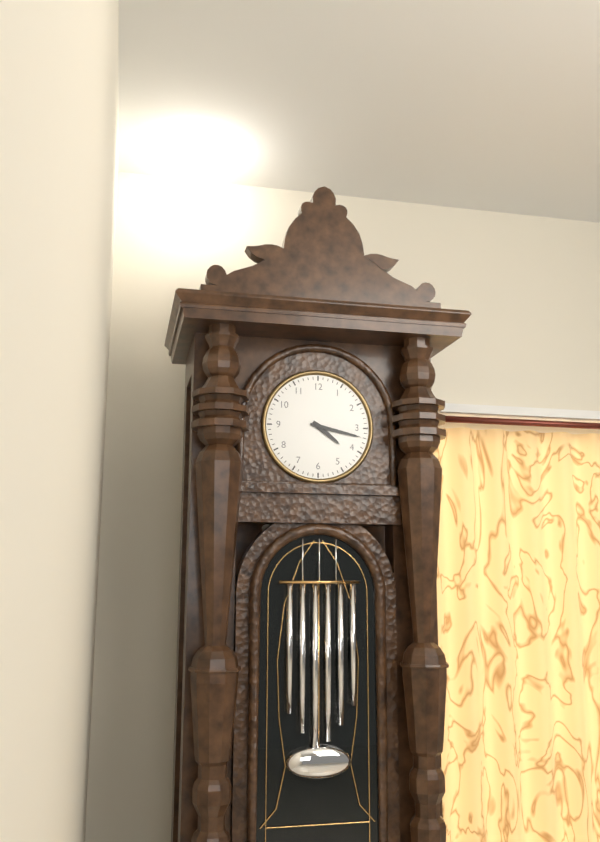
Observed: 4,17
